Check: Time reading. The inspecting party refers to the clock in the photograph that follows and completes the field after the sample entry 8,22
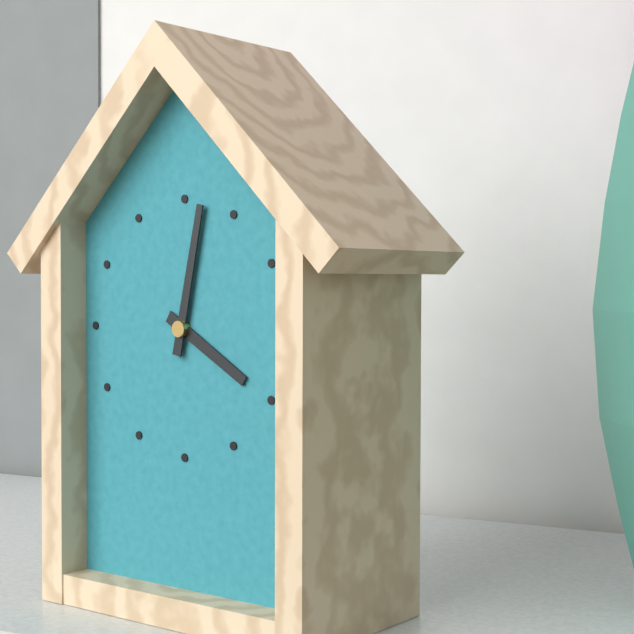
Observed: 4,02
